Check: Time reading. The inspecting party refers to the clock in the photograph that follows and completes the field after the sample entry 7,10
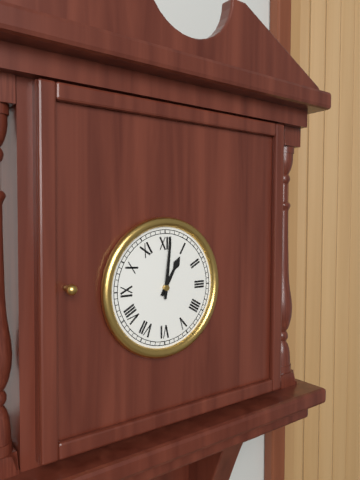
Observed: 1,01
